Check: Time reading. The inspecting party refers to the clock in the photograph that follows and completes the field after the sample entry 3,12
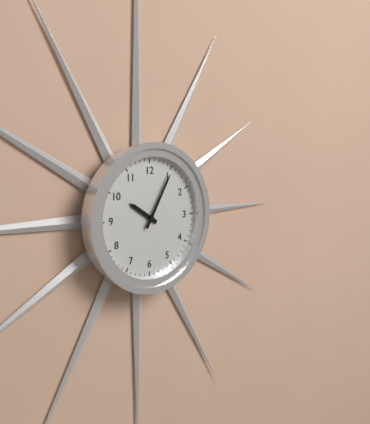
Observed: 10,05
